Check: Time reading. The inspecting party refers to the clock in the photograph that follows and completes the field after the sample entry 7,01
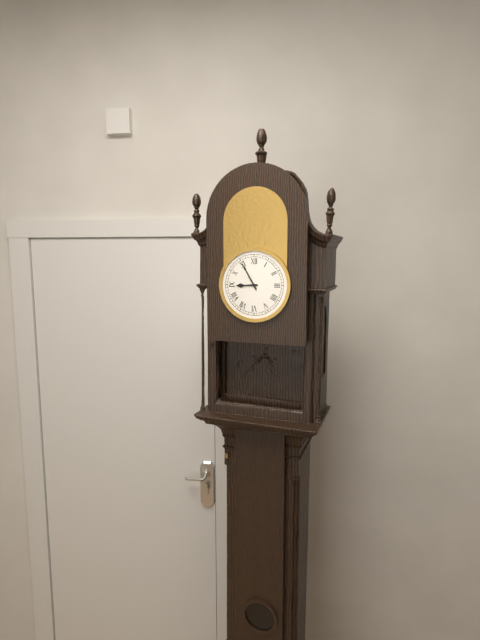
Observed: 8,55
